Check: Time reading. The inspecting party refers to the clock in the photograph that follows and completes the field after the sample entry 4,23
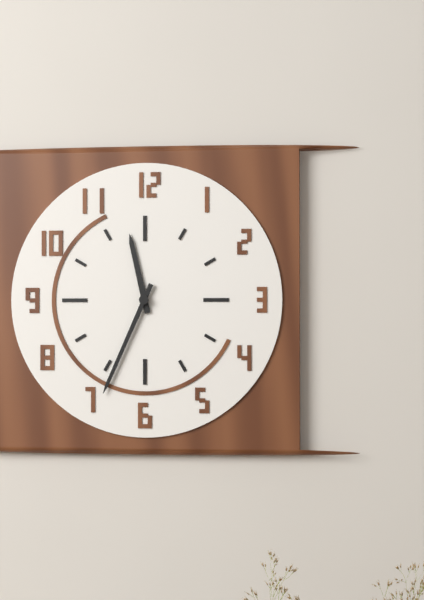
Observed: 11,34
